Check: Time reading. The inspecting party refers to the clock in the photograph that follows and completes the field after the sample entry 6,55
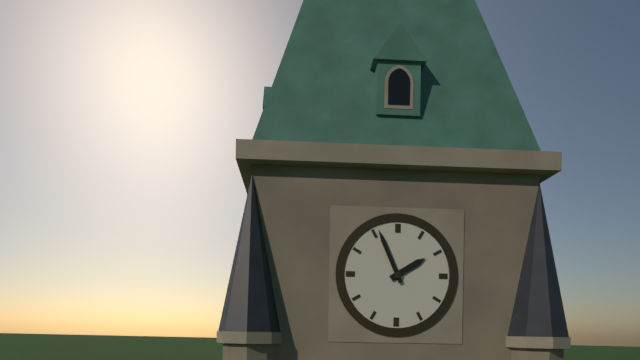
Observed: 1,56
